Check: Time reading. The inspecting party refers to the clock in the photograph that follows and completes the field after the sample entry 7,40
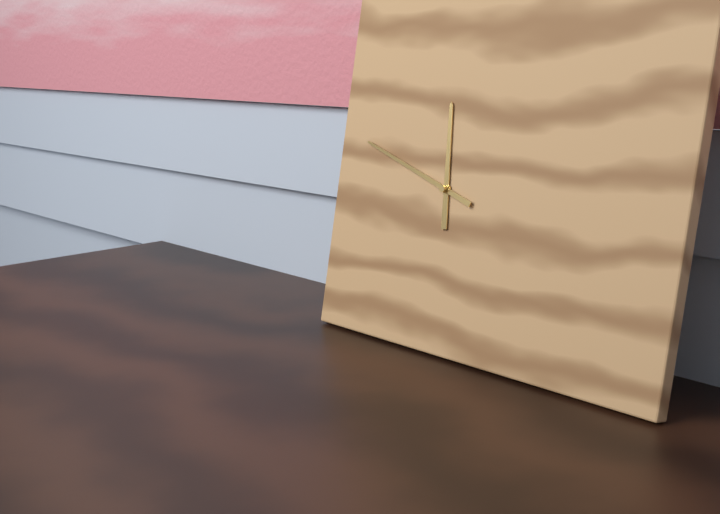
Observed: 11,48
